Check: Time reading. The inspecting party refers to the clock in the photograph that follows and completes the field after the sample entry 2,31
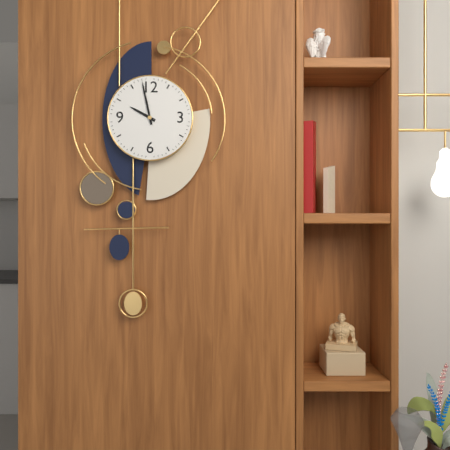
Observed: 9,58
